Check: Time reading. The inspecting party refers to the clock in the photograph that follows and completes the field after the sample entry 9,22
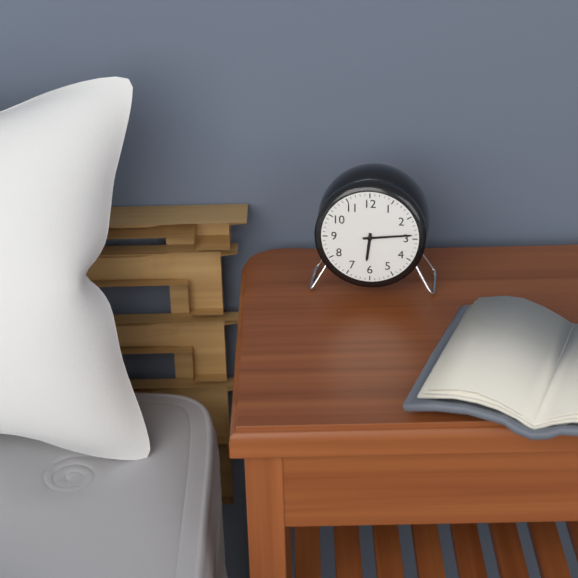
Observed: 6,14
